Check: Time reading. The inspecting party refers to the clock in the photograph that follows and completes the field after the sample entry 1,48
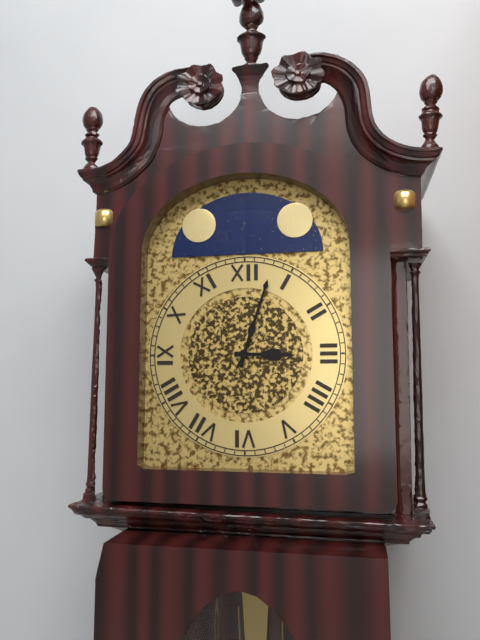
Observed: 3,03
